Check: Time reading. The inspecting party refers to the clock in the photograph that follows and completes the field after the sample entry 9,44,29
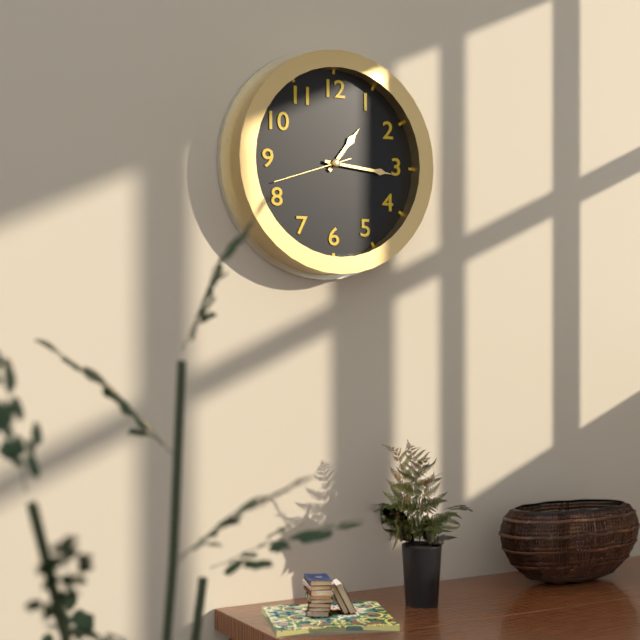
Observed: 1,16,42
